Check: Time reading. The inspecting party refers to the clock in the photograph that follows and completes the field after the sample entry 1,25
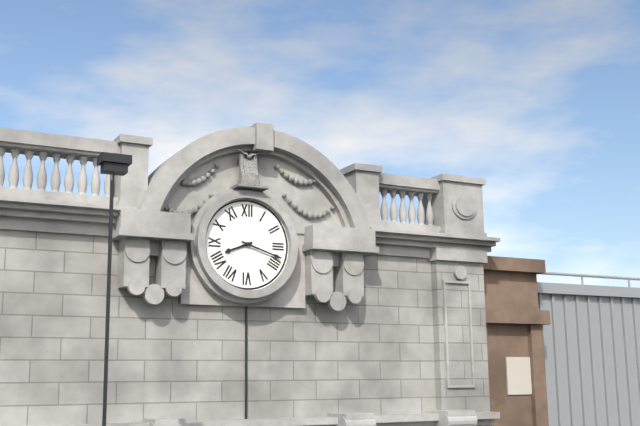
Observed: 8,18
